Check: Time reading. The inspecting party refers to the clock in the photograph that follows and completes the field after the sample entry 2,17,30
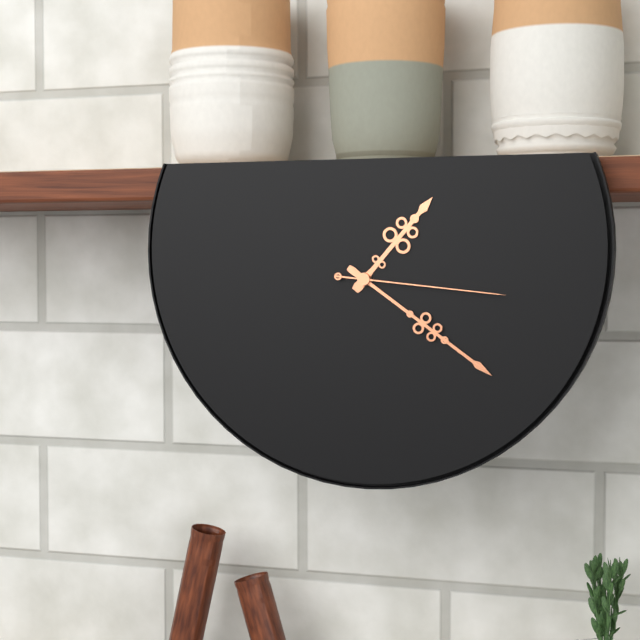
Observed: 1,21,16
